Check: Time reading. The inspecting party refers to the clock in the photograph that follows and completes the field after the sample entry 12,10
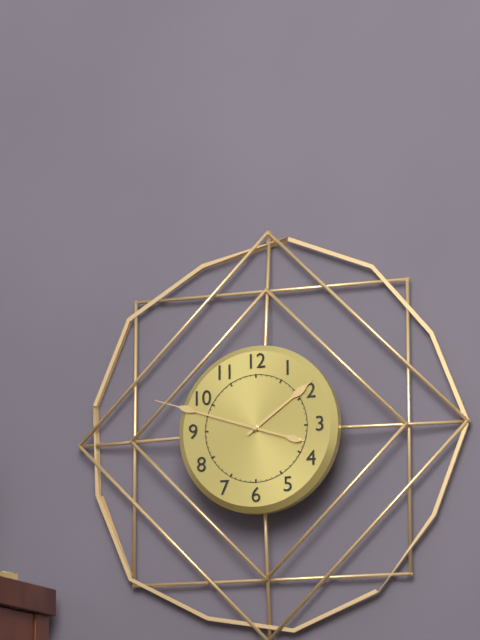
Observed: 1,48
